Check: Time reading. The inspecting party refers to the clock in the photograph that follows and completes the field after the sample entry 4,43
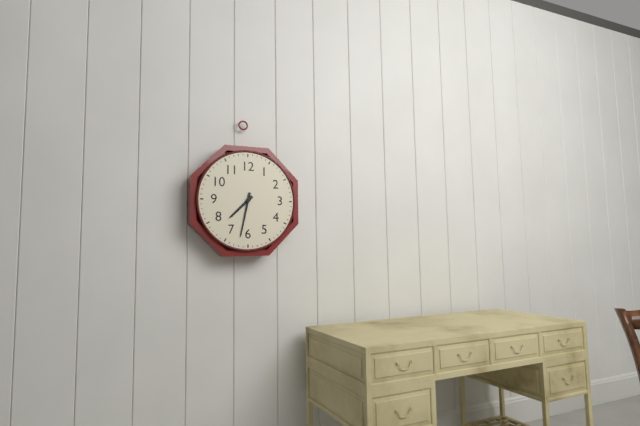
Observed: 7,32
